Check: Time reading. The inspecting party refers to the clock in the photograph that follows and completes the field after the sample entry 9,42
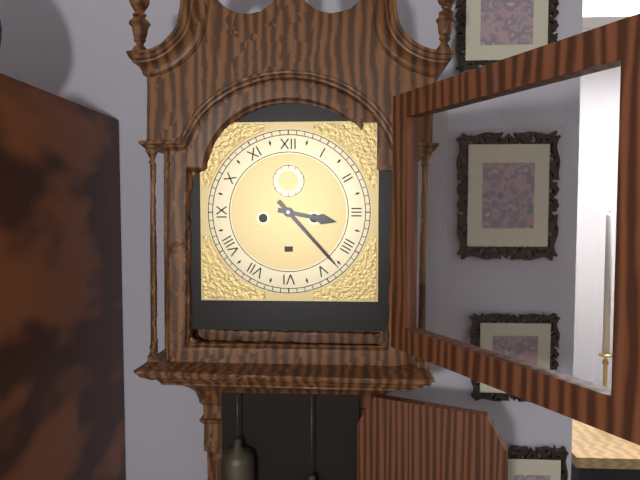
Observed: 3,23
